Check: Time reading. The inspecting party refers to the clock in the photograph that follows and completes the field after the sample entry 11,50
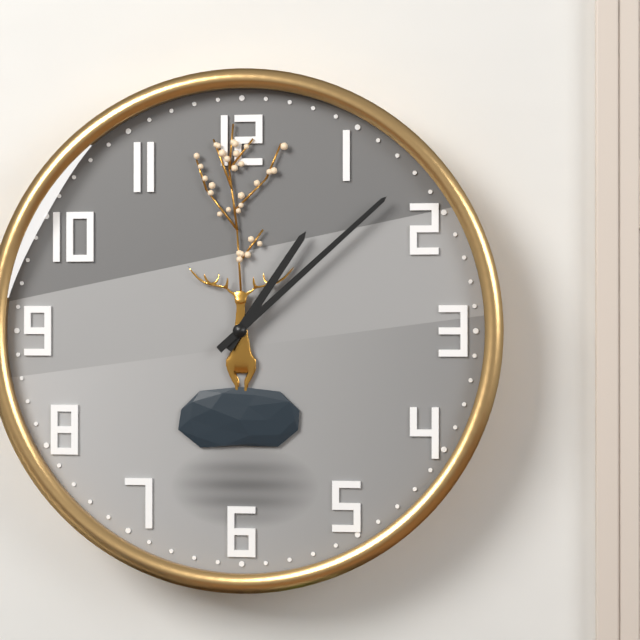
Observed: 1,08
